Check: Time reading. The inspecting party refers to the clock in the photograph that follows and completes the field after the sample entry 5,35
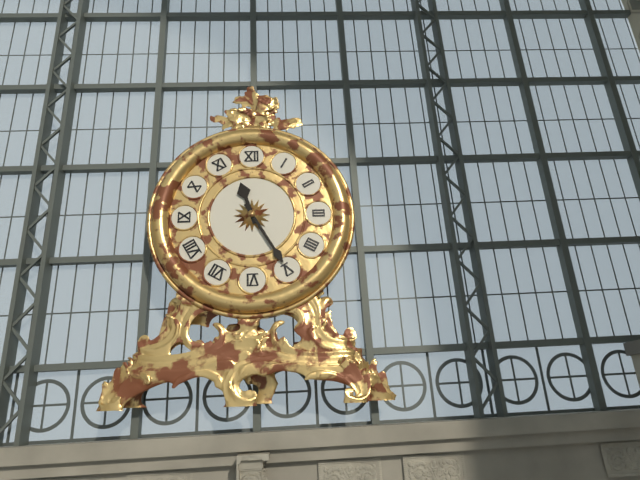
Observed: 11,25
